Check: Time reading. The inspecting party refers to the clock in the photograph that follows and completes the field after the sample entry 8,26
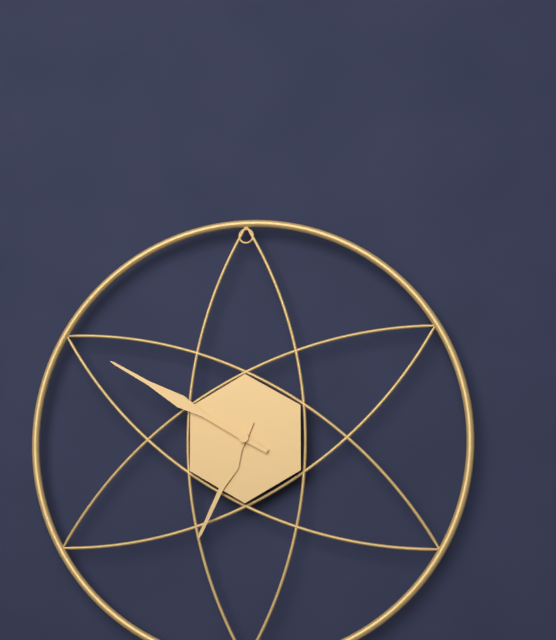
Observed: 6,50
